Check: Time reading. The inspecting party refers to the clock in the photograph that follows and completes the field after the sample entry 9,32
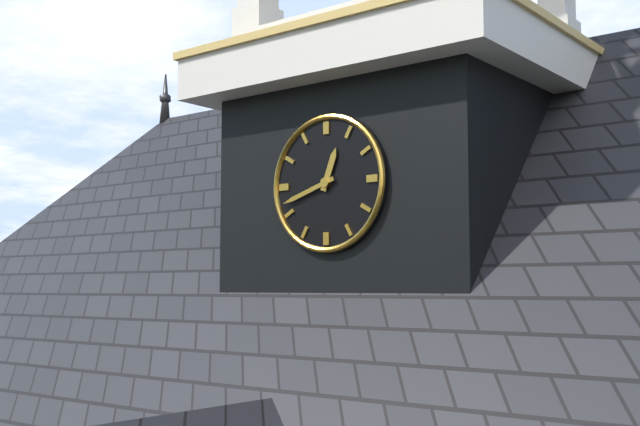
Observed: 12,42
